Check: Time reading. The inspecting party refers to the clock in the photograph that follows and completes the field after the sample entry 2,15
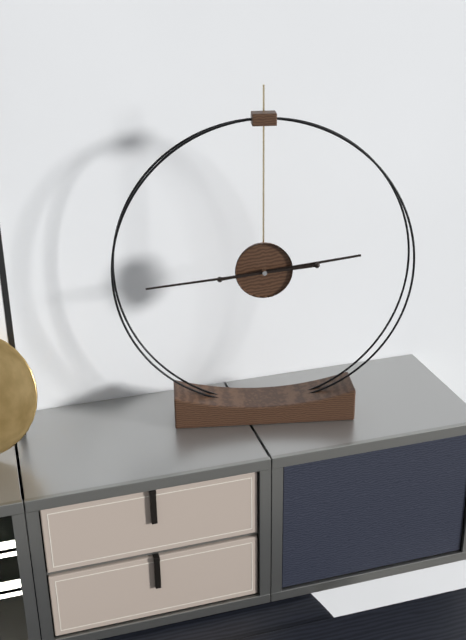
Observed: 2,44
